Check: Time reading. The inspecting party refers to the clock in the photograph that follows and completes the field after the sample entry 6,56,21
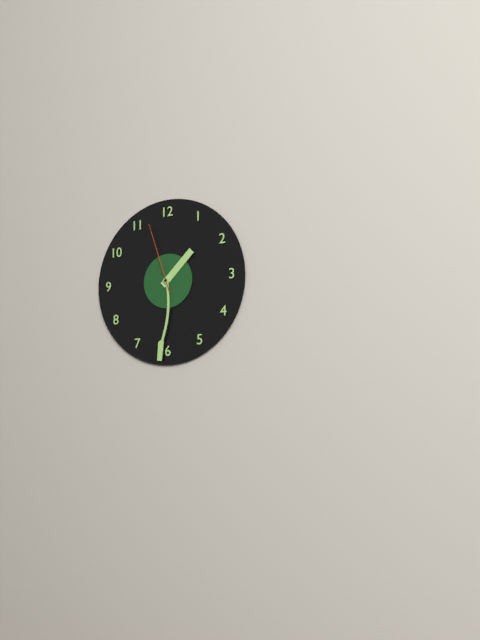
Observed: 1,31,57
